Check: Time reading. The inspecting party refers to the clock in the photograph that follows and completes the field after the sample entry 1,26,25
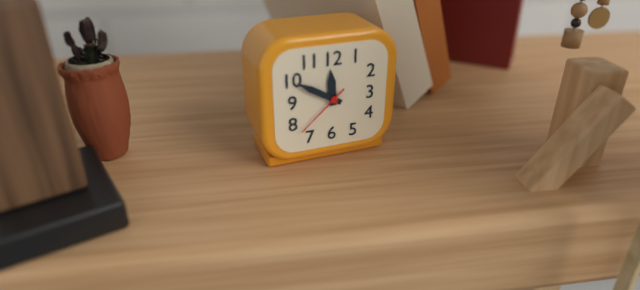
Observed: 11,50,38
